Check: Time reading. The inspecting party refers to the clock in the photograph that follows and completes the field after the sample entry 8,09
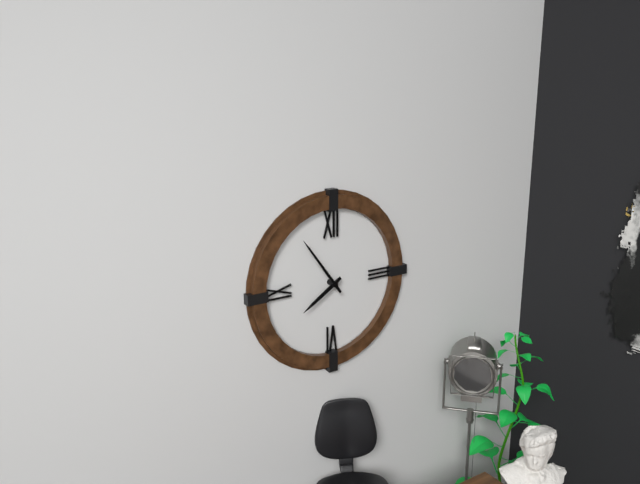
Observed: 7,54
